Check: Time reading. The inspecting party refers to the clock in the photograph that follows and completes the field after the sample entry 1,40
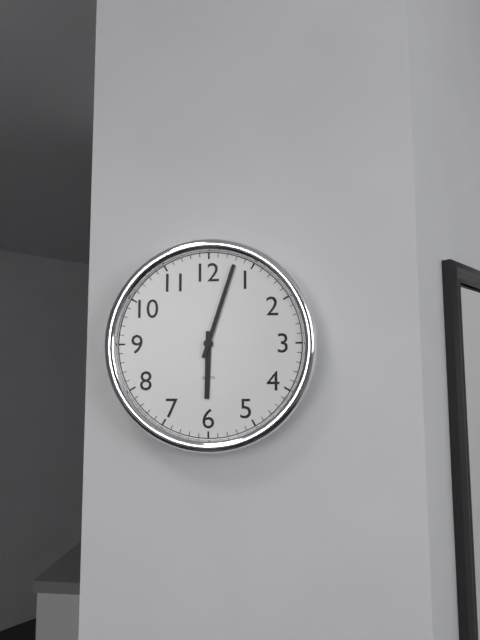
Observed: 6,03
